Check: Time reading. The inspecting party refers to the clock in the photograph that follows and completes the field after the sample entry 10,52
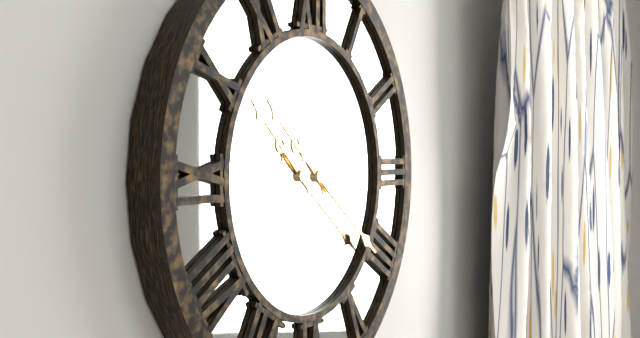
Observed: 10,21
